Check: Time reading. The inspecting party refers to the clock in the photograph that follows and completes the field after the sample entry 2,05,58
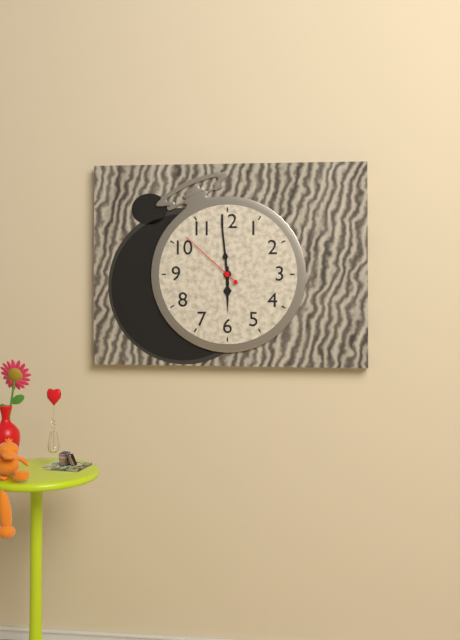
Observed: 5,59,52
